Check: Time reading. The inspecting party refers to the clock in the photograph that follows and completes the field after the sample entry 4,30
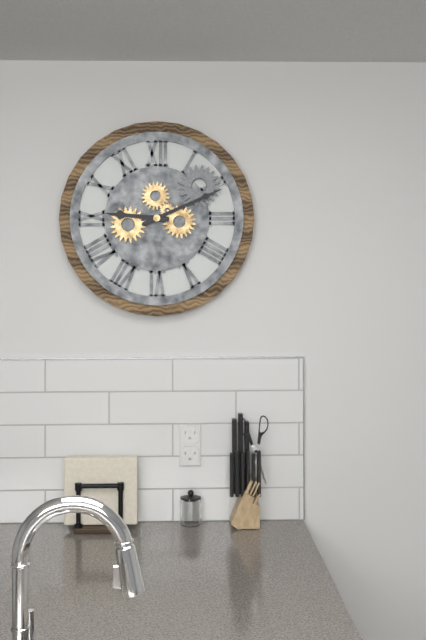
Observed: 9,11
